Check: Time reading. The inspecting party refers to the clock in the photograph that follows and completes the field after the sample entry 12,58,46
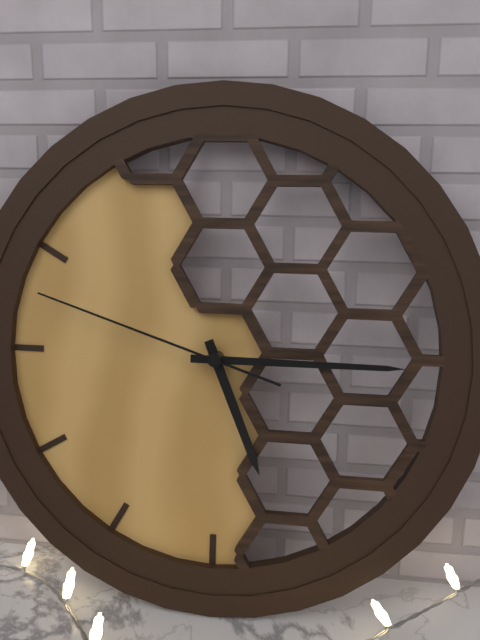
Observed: 5,15,48
